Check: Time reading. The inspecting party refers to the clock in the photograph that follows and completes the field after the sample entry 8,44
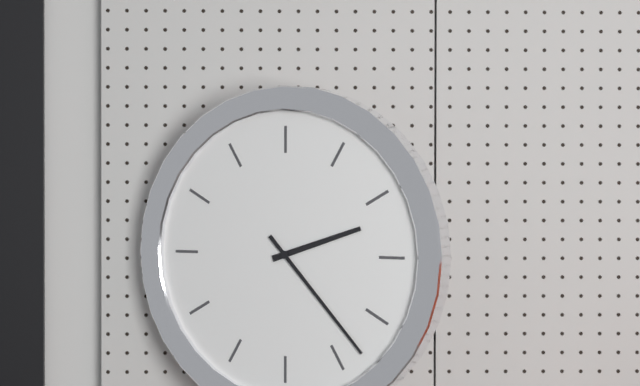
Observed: 2,23
